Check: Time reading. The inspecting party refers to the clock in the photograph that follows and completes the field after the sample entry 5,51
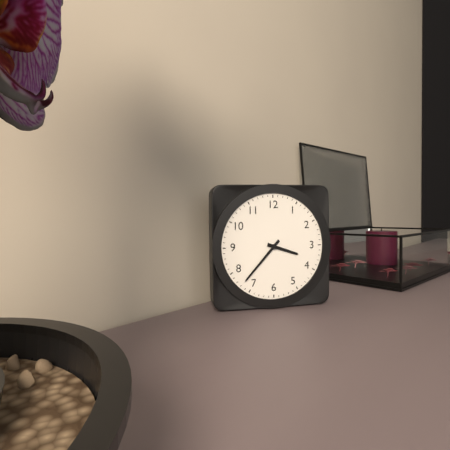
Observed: 3,37
